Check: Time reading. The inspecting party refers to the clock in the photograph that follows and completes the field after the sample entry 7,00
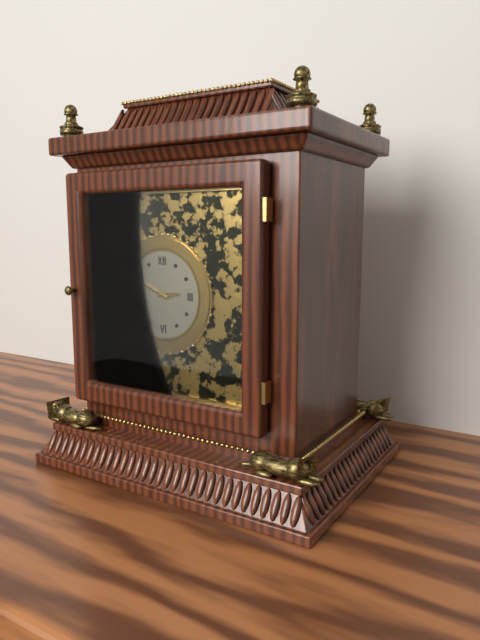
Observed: 2,49
